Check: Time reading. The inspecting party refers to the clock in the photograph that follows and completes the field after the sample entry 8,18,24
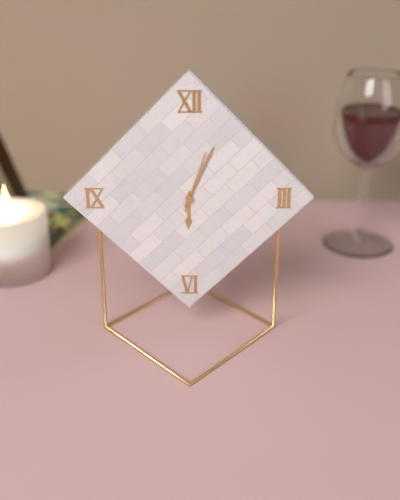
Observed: 6,04,03
